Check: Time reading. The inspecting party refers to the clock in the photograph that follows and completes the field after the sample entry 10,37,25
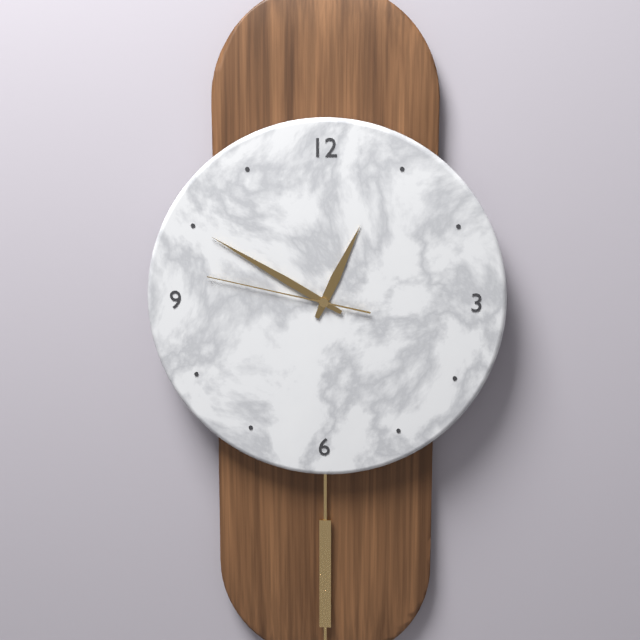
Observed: 12,50,47
